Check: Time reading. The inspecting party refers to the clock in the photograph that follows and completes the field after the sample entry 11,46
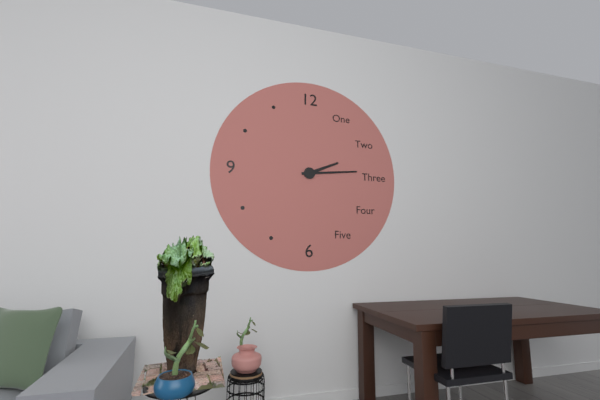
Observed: 2,14
